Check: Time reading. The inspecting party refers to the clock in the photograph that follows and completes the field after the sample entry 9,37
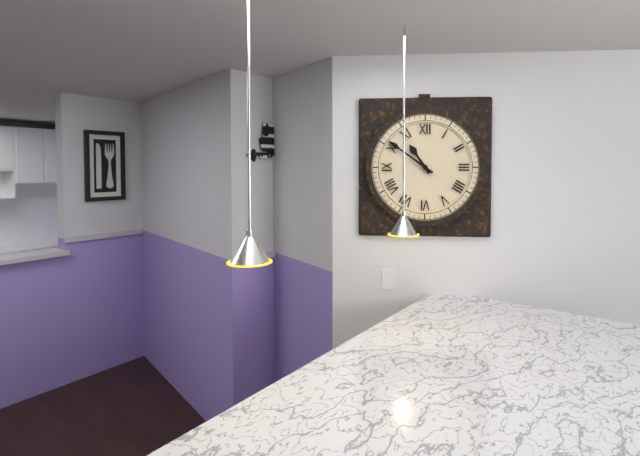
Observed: 10,51
